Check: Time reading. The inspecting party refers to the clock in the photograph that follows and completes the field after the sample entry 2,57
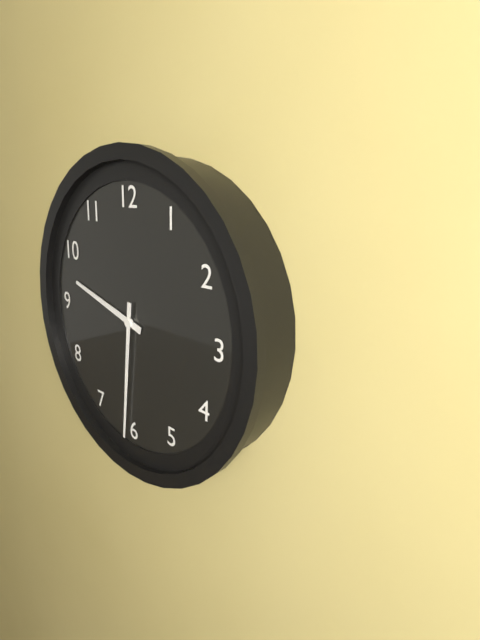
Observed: 9,31
